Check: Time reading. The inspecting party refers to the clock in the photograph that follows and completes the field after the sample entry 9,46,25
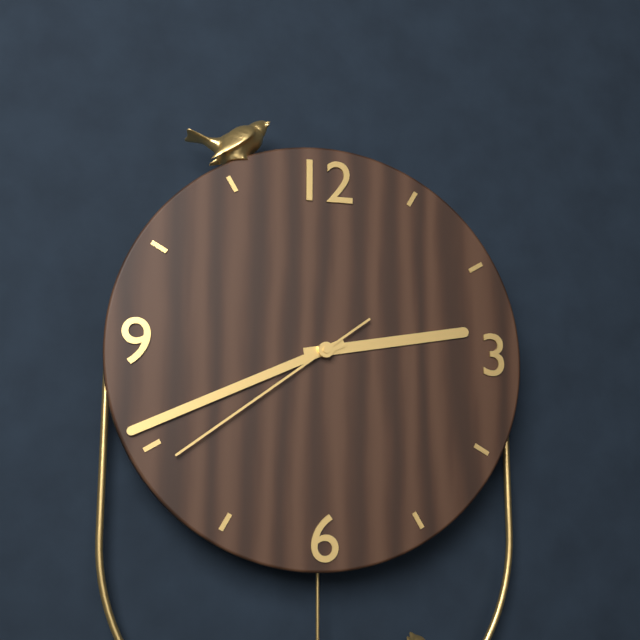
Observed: 2,41,39
